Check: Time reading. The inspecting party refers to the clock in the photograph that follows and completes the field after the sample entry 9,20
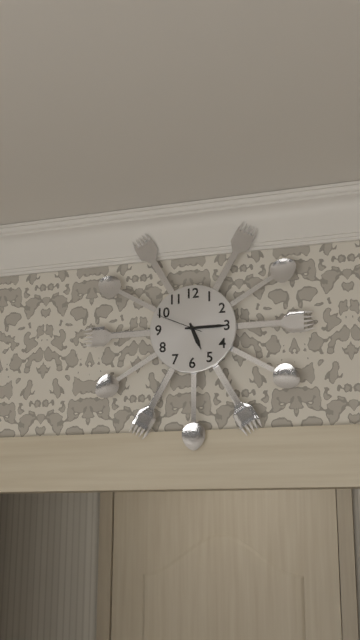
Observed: 5,15
